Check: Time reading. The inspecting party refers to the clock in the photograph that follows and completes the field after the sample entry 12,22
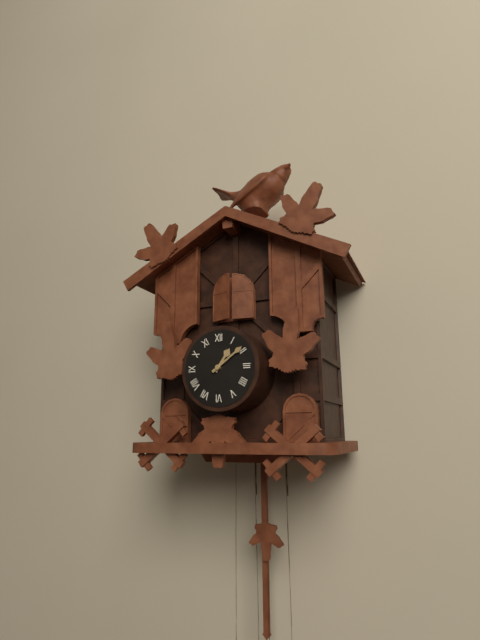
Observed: 1,09
